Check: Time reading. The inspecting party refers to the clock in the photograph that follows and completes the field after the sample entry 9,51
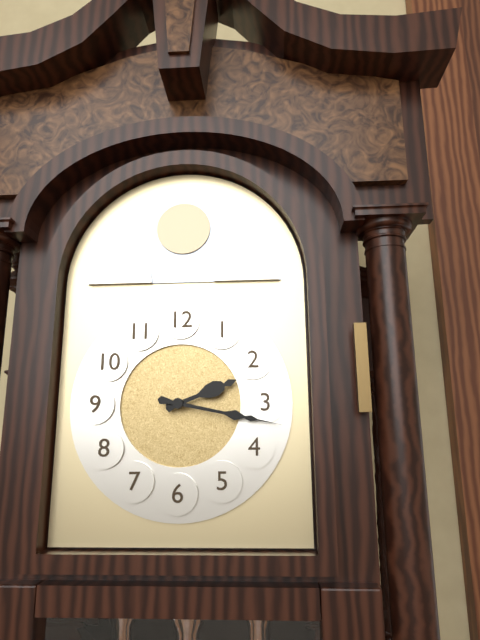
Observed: 2,17
